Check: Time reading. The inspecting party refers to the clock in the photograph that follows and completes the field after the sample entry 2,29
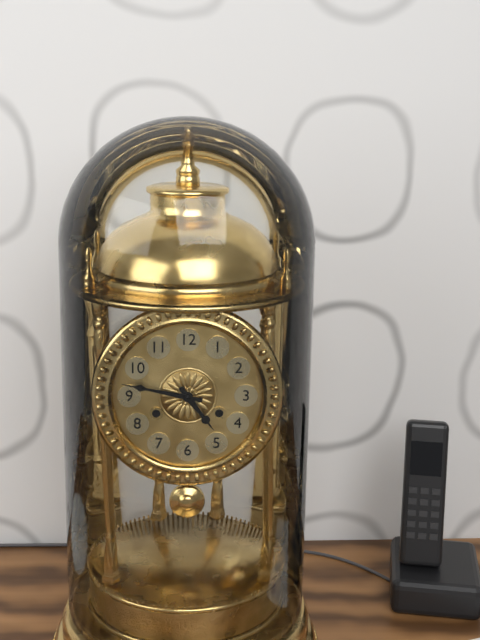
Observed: 4,47
